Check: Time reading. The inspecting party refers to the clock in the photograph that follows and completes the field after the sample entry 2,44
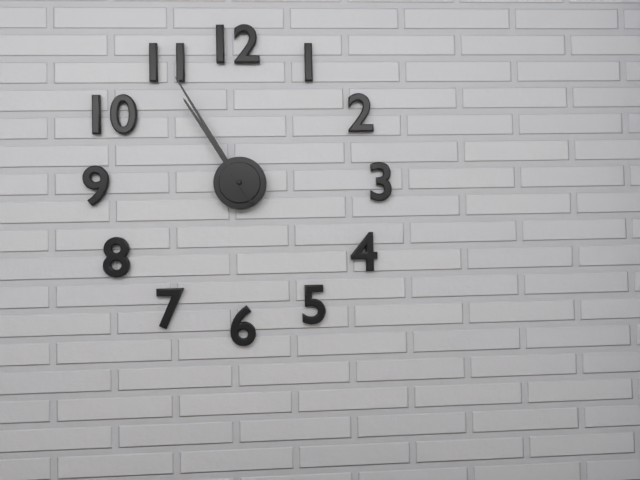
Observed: 10,55
